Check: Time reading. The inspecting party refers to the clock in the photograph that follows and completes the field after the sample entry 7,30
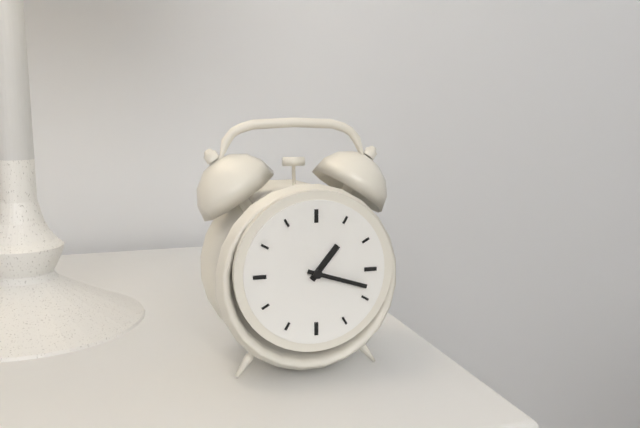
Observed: 1,18
